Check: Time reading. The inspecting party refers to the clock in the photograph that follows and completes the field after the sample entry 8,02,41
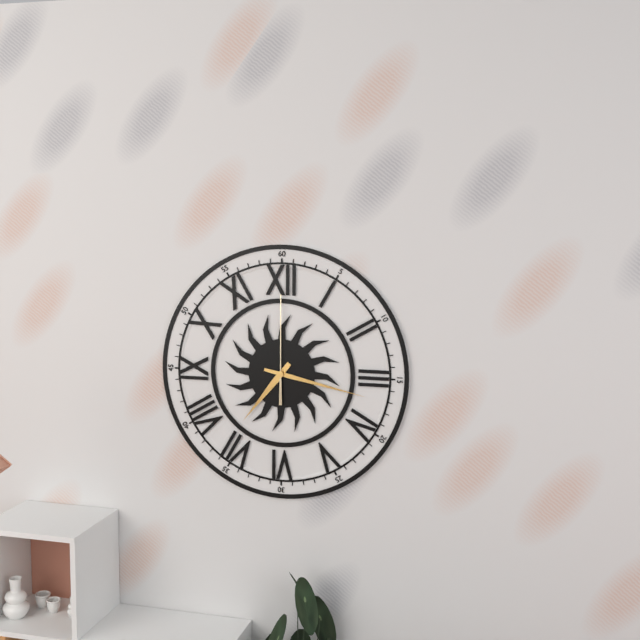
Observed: 7,17,00
